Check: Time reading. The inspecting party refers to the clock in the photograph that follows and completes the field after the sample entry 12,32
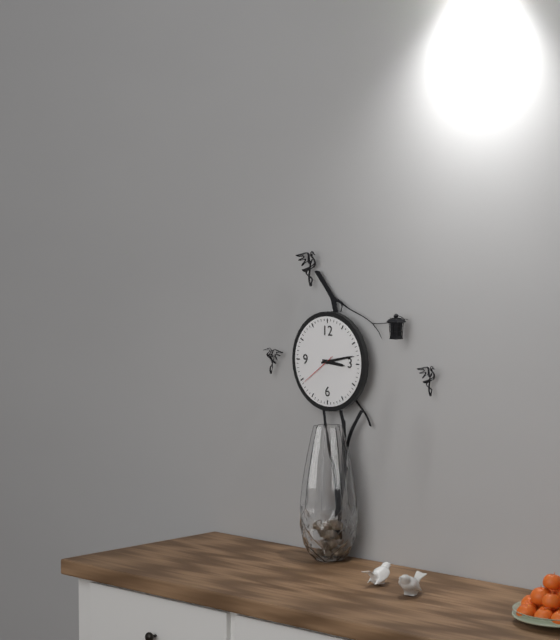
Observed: 3,13
